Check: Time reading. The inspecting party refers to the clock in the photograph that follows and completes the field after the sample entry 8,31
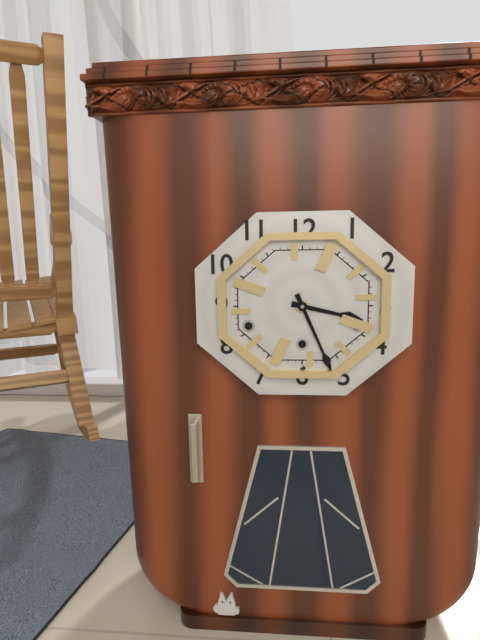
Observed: 3,26
